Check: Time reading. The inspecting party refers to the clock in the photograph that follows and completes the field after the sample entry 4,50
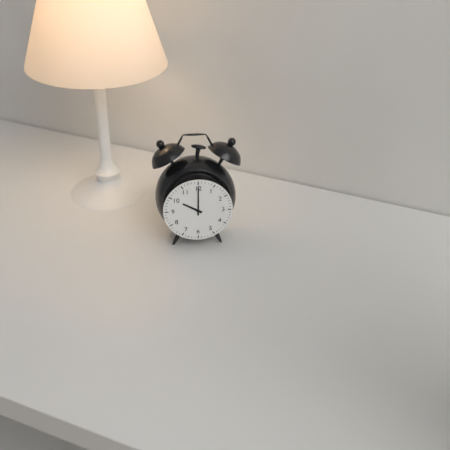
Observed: 10,00
